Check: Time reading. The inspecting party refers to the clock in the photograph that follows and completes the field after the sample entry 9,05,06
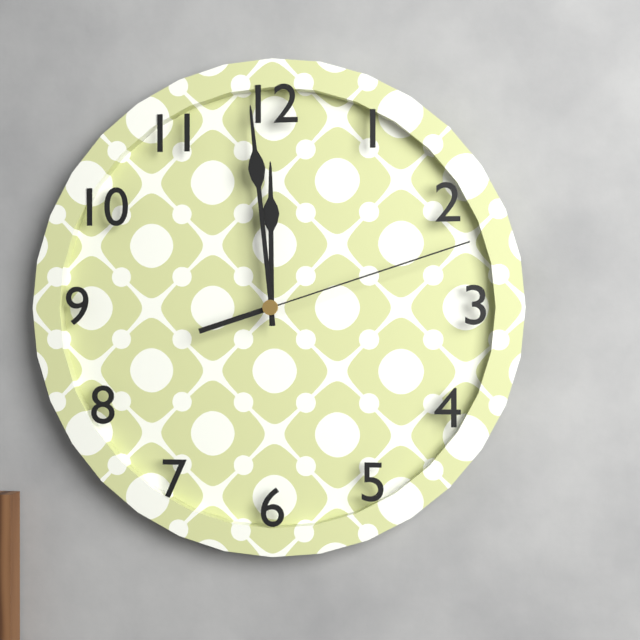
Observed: 11,59,12
